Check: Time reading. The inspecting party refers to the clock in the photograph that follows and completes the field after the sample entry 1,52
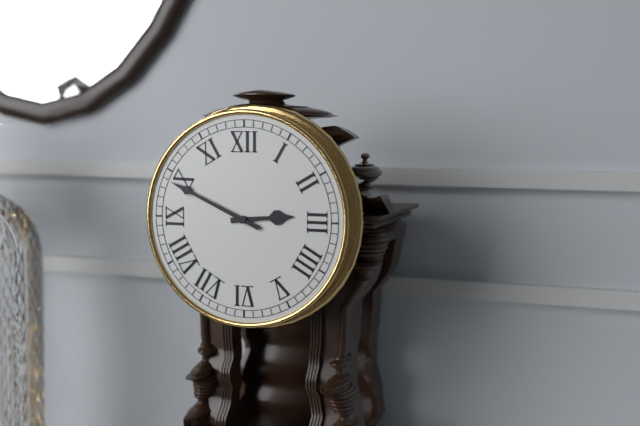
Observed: 2,49
